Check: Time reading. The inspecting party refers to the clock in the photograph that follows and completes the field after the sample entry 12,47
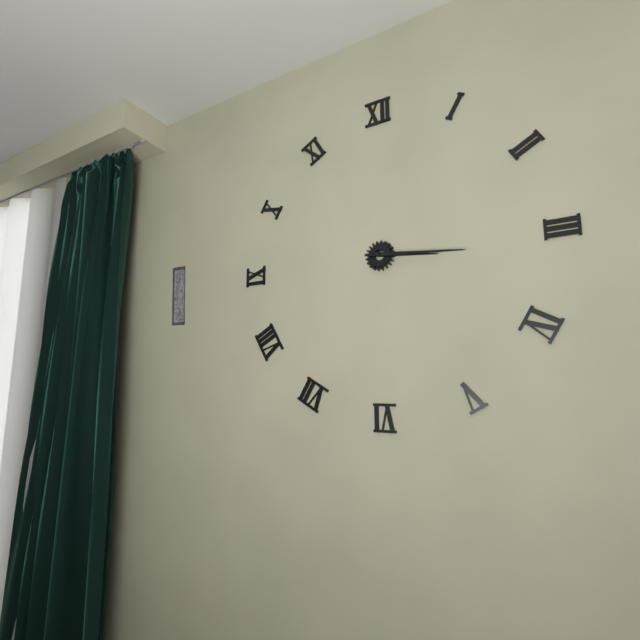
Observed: 3,16
